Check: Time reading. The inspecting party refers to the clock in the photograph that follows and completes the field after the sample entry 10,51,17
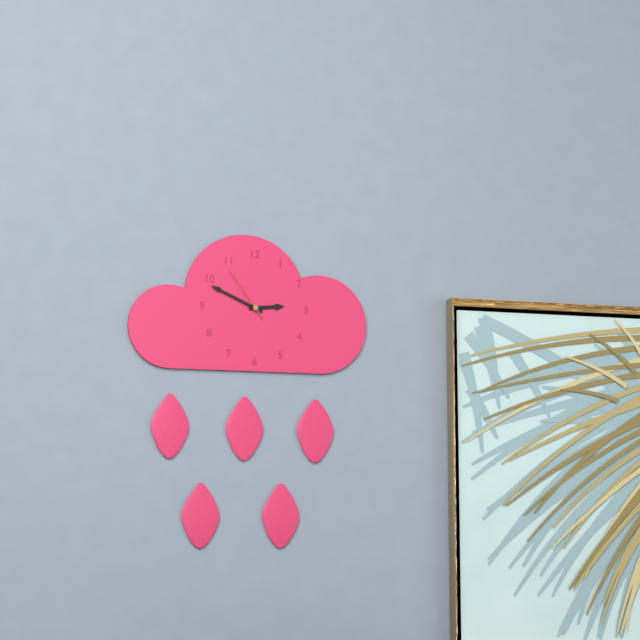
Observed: 2,49,54
